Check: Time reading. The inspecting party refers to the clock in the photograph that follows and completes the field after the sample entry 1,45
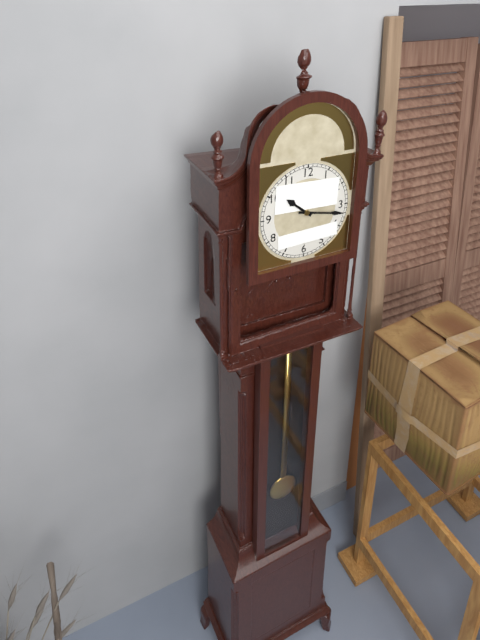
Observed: 10,17
